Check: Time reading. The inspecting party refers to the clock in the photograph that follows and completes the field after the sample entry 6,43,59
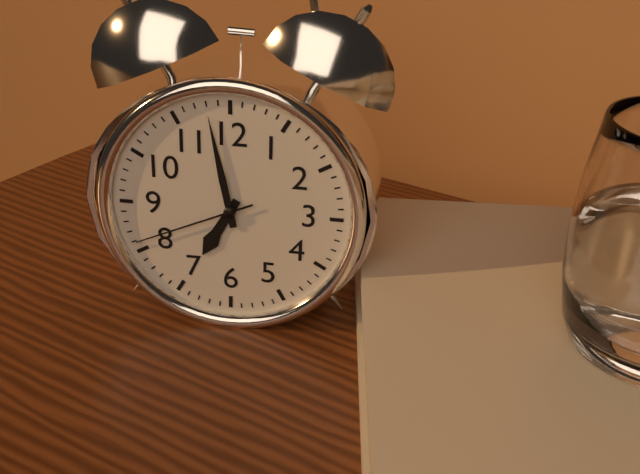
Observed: 6,58,41
